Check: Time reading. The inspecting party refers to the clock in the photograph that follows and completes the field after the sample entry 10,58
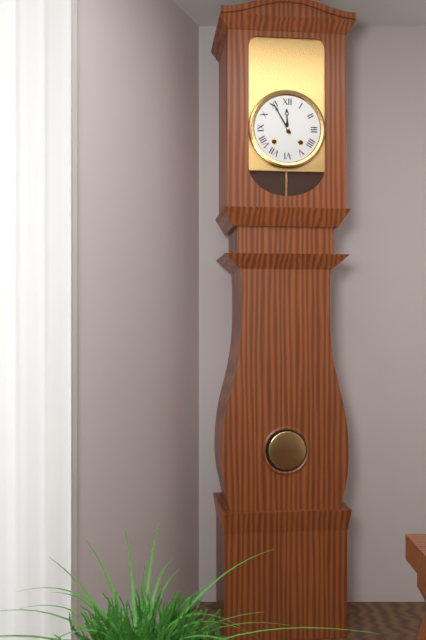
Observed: 11,55
